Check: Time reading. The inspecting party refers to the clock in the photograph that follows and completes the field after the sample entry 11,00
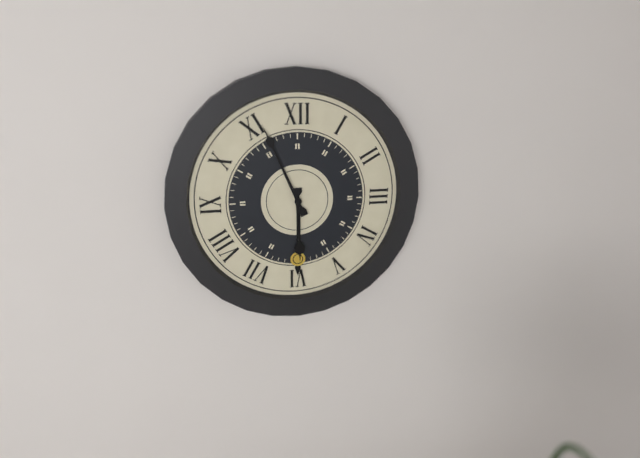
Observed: 5,56
